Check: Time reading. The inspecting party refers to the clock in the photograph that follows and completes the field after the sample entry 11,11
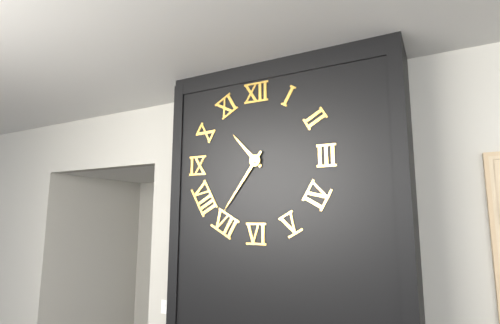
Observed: 10,36
